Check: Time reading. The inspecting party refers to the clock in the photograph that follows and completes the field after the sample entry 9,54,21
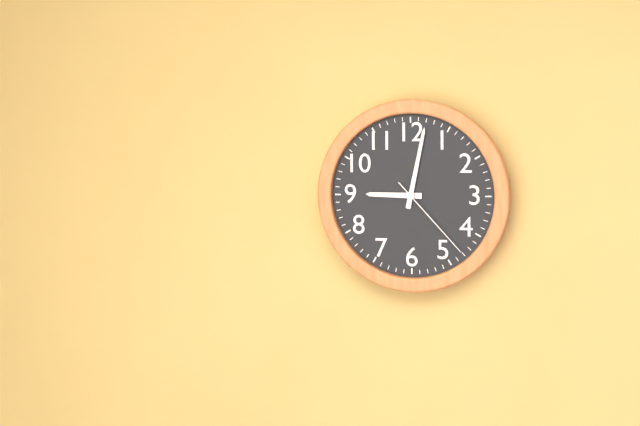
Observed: 9,02,23
